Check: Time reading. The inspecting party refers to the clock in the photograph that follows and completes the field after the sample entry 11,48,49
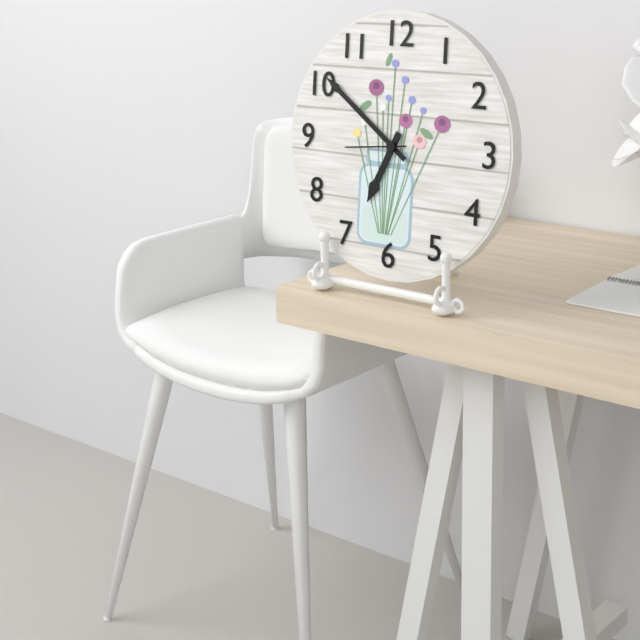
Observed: 6,51,44
